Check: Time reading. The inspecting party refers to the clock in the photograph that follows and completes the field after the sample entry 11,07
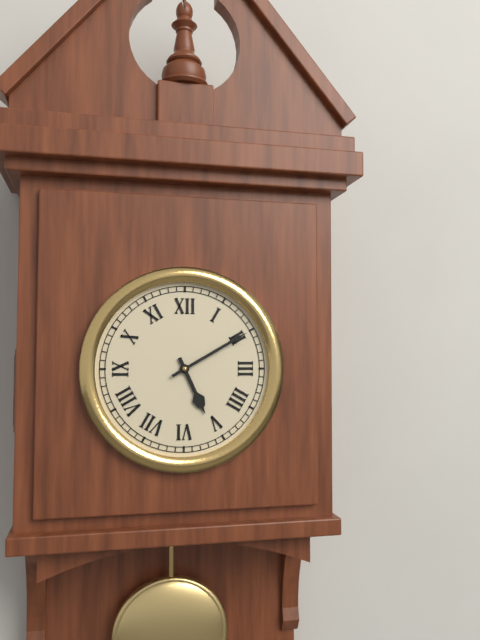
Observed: 5,10
